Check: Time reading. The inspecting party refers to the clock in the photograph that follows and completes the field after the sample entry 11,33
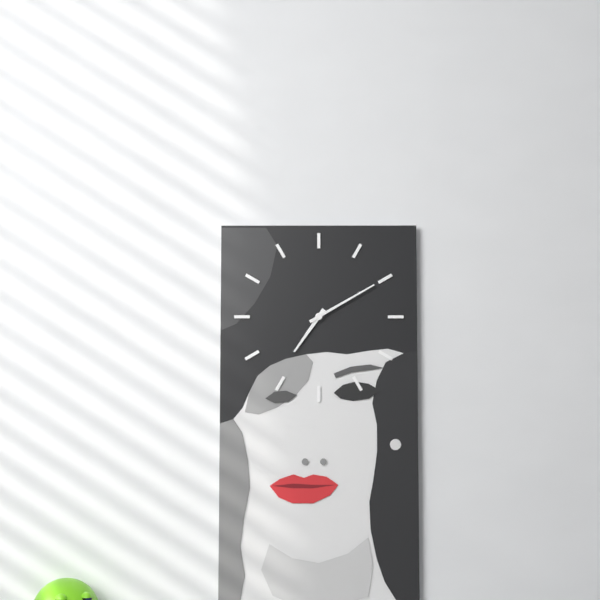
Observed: 7,10
